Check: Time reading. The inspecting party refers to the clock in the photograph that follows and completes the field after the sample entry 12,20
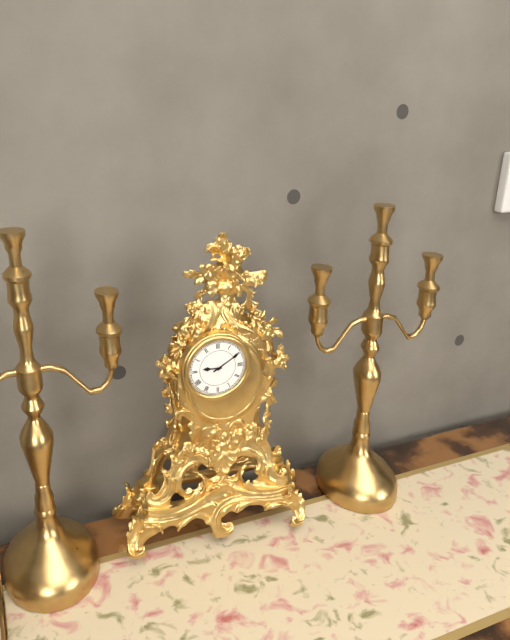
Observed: 9,10
